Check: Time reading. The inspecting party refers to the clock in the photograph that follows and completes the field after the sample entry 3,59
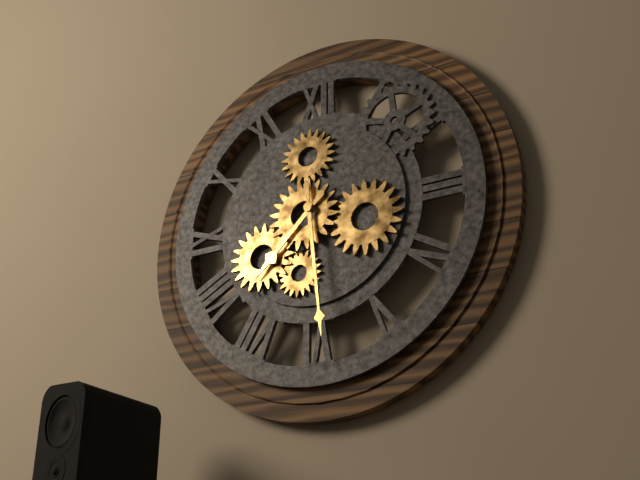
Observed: 7,29
